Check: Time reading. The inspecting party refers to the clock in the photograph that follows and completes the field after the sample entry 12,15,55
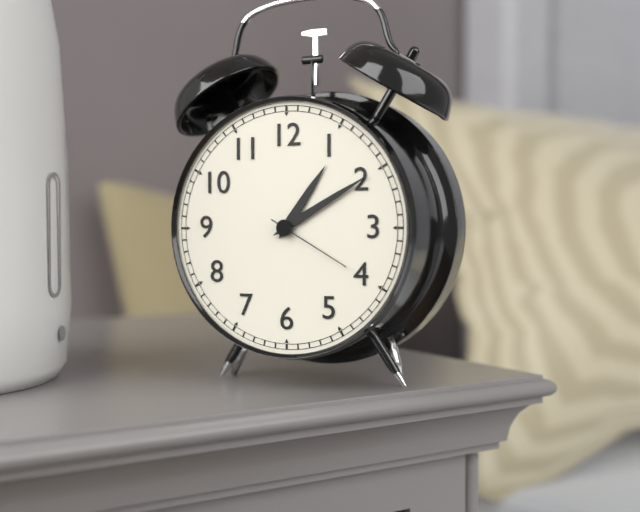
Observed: 1,10,20
